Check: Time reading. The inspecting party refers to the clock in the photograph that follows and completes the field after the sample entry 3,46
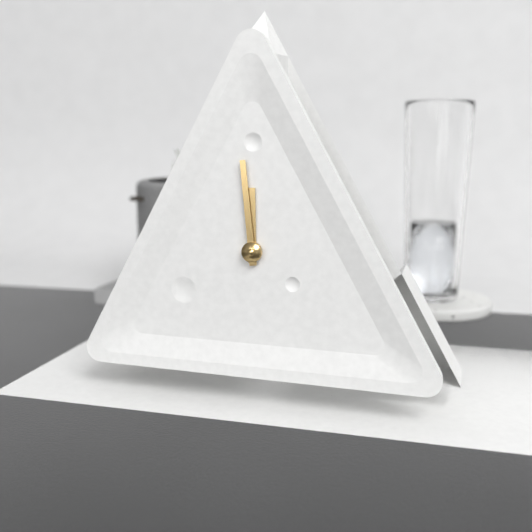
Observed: 11,59
